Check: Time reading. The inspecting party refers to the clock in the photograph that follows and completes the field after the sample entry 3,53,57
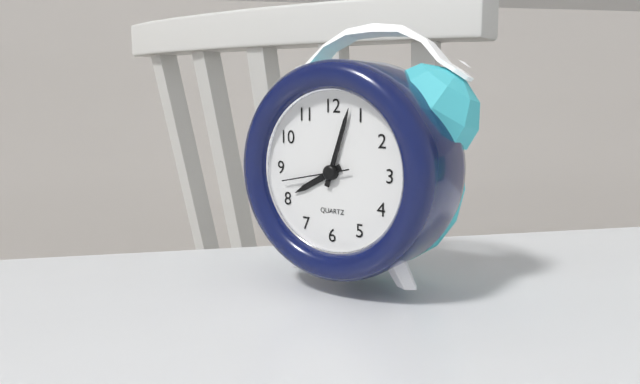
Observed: 8,03,43
